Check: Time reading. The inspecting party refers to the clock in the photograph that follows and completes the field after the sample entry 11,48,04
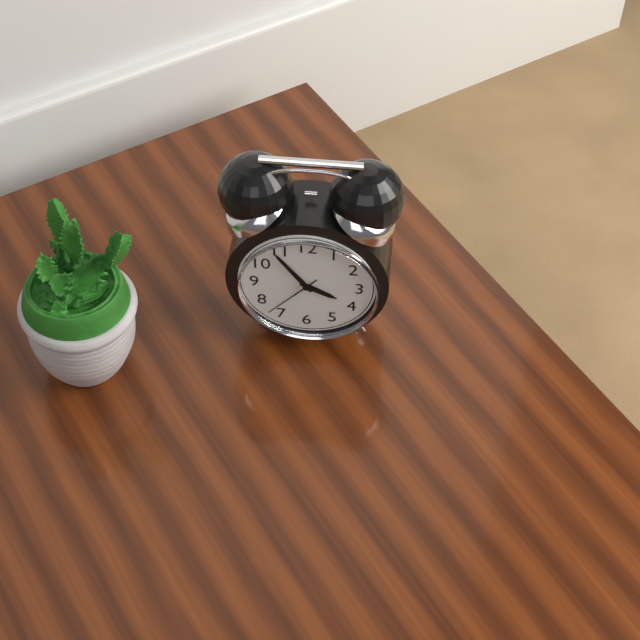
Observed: 3,54,37
